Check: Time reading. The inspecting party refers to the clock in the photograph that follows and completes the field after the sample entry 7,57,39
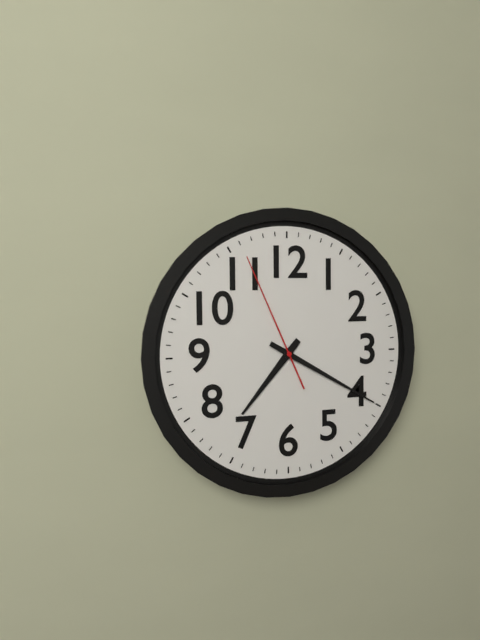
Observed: 7,20,56
